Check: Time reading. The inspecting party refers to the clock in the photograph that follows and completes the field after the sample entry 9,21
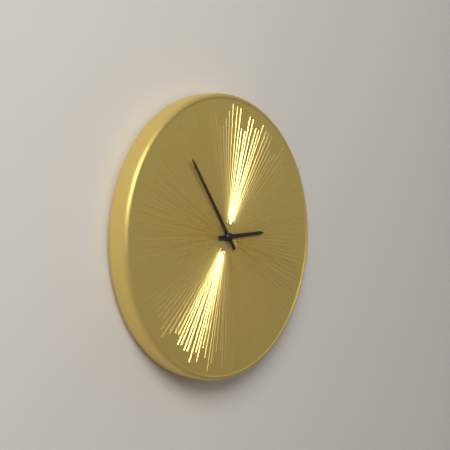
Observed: 2,54
